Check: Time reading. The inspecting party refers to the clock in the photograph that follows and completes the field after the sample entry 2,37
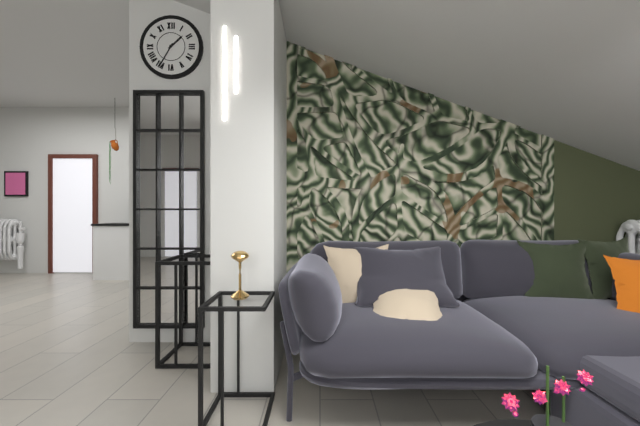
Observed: 1,35
